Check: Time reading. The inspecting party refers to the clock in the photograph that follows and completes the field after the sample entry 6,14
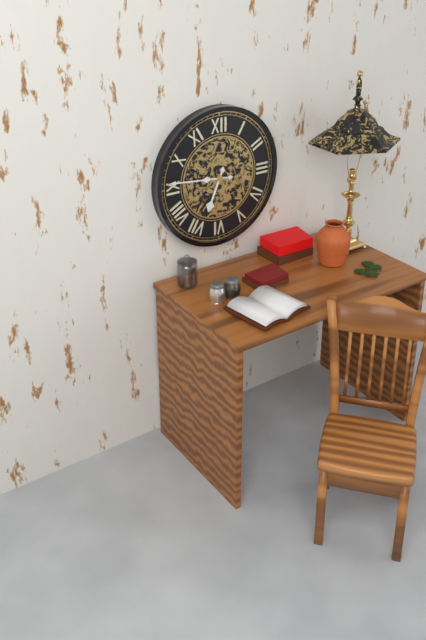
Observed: 6,46
